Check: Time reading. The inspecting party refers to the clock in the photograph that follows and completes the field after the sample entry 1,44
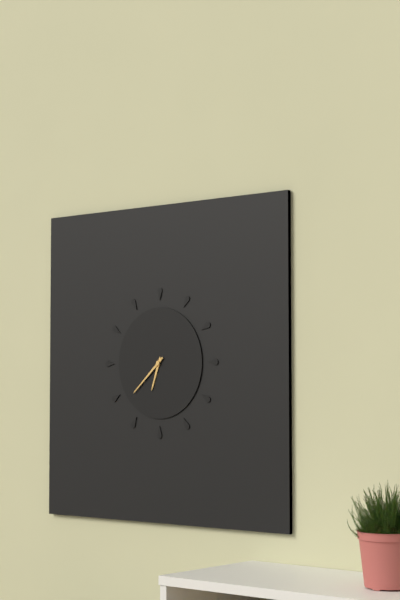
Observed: 6,38
